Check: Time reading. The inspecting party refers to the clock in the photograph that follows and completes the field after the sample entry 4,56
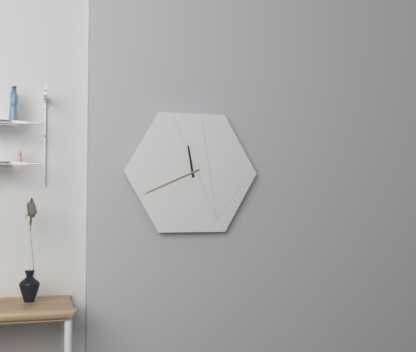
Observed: 11,41
